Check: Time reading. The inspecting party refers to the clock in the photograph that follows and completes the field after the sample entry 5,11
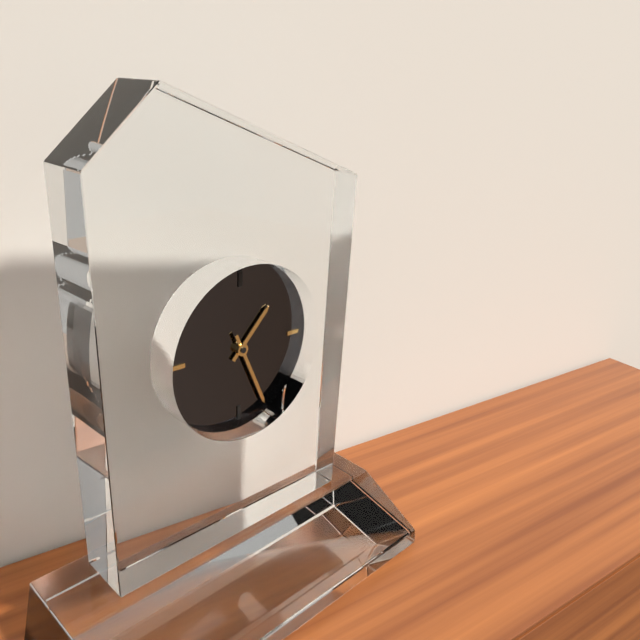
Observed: 1,26
